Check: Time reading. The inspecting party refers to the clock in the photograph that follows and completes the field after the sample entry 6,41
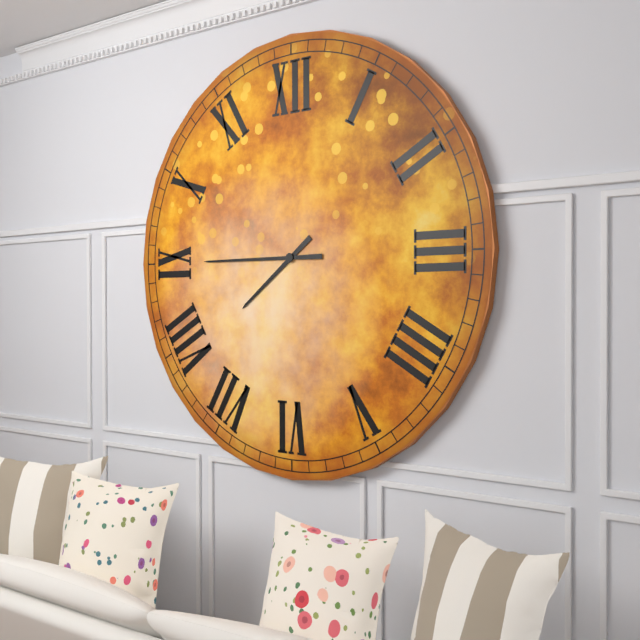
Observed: 7,45
